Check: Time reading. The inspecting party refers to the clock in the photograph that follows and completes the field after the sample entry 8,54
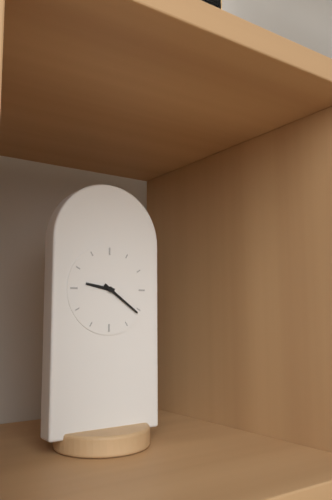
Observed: 9,21
